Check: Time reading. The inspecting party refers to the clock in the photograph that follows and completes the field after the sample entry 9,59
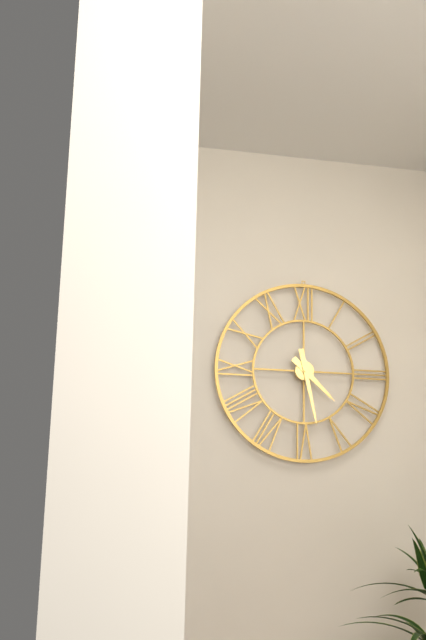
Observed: 4,28
